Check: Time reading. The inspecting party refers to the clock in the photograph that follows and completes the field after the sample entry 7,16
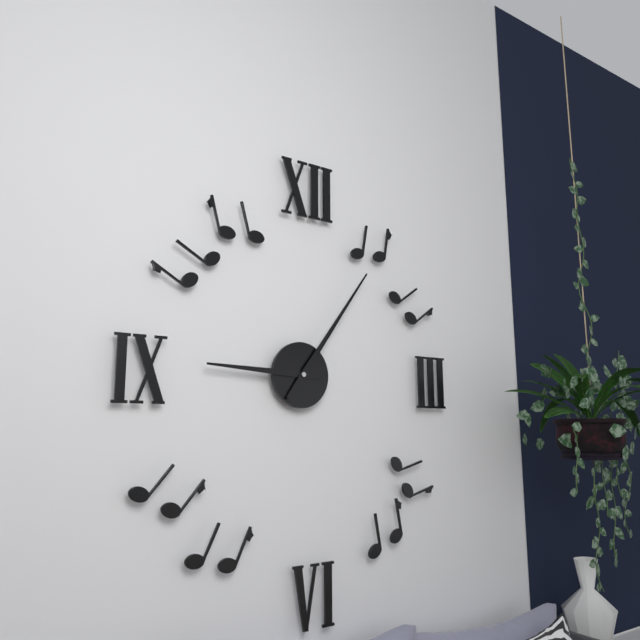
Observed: 9,06
